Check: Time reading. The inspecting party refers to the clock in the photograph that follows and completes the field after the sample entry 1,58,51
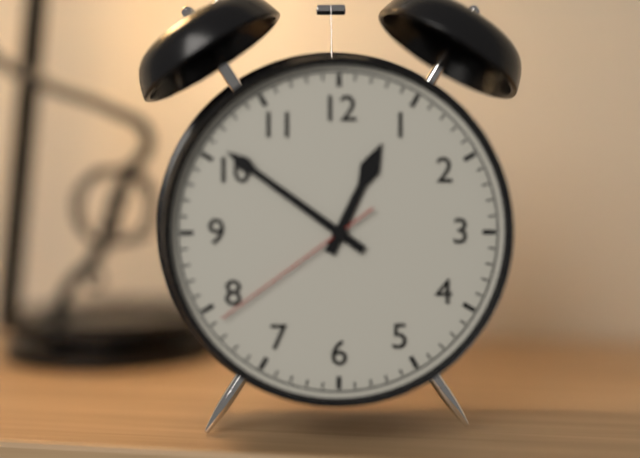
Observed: 12,51,39
